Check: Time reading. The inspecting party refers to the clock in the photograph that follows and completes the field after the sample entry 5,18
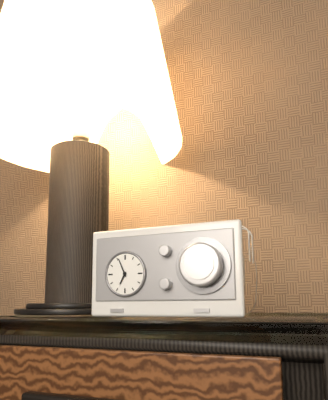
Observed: 6,56
